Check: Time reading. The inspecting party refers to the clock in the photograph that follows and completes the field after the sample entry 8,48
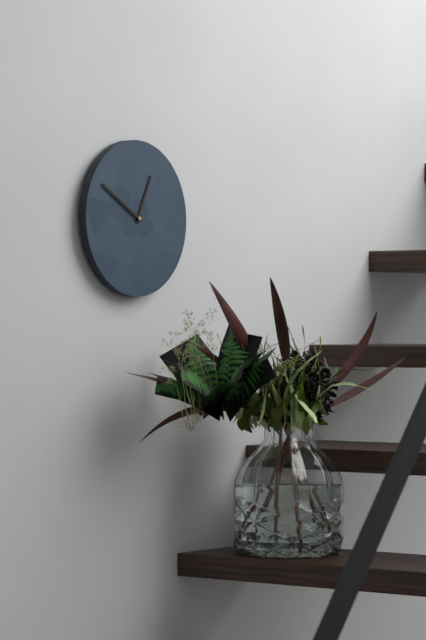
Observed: 12,50
